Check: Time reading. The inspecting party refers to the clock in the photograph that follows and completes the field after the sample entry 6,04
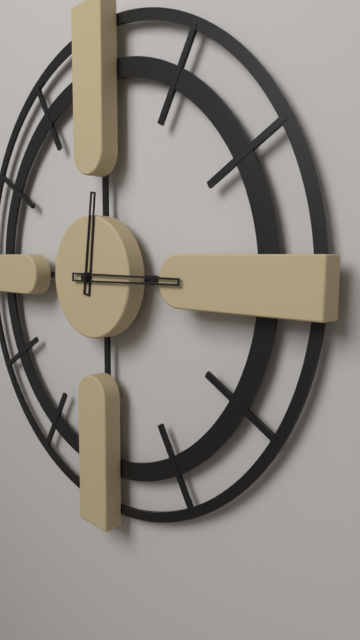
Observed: 12,15
